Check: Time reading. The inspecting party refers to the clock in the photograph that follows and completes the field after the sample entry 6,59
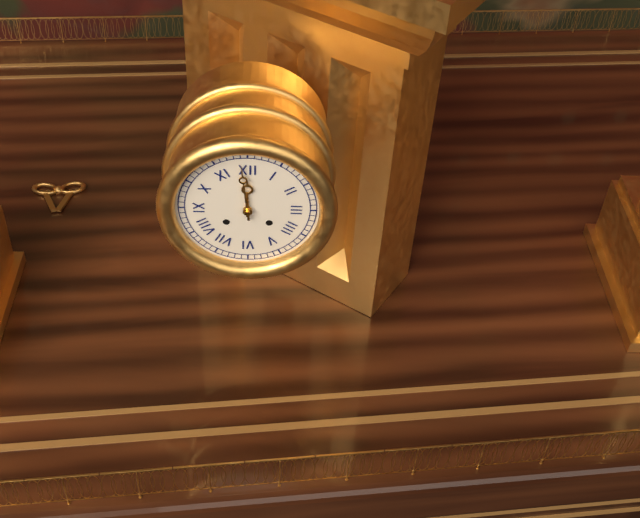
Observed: 11,59
